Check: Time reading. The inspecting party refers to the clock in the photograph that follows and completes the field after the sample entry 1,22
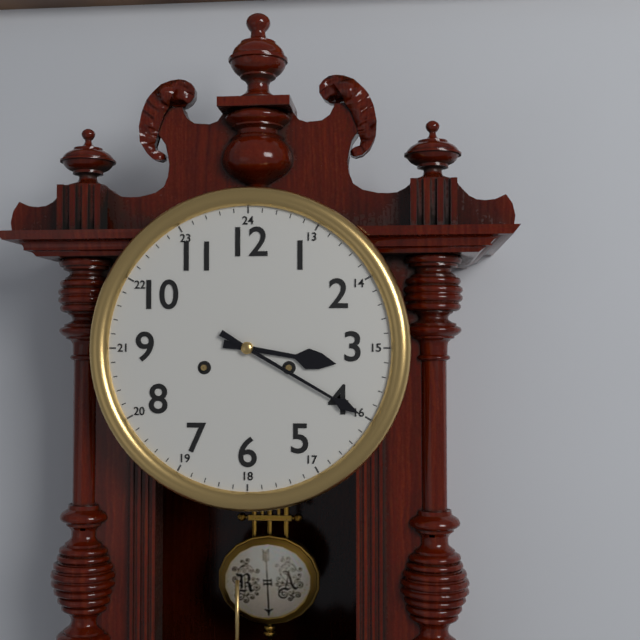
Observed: 3,20
